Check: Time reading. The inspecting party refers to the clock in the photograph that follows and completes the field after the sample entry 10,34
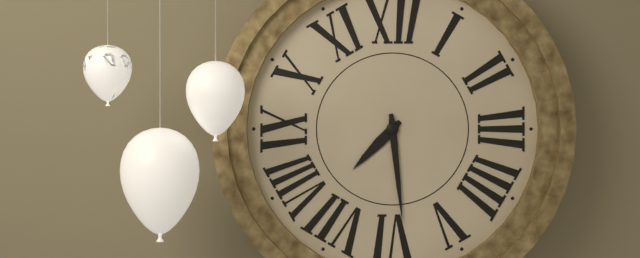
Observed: 7,29
